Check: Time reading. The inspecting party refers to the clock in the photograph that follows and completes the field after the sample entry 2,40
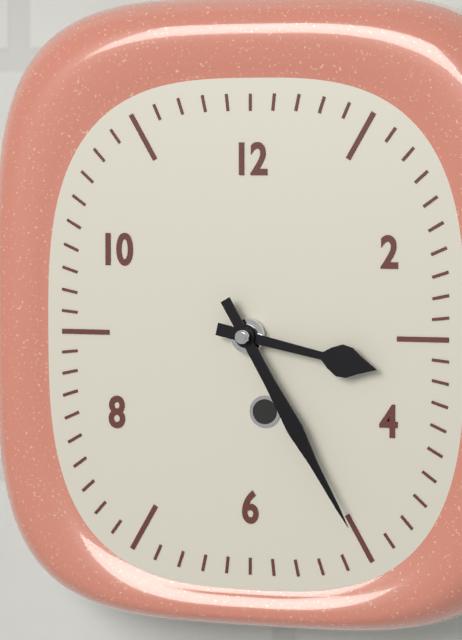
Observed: 3,25
